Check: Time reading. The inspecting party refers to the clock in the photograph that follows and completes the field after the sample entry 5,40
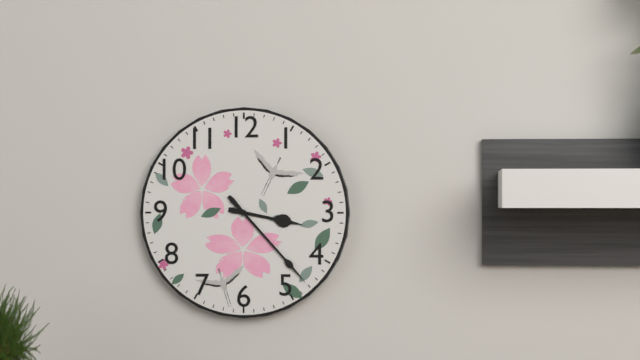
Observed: 3,23
